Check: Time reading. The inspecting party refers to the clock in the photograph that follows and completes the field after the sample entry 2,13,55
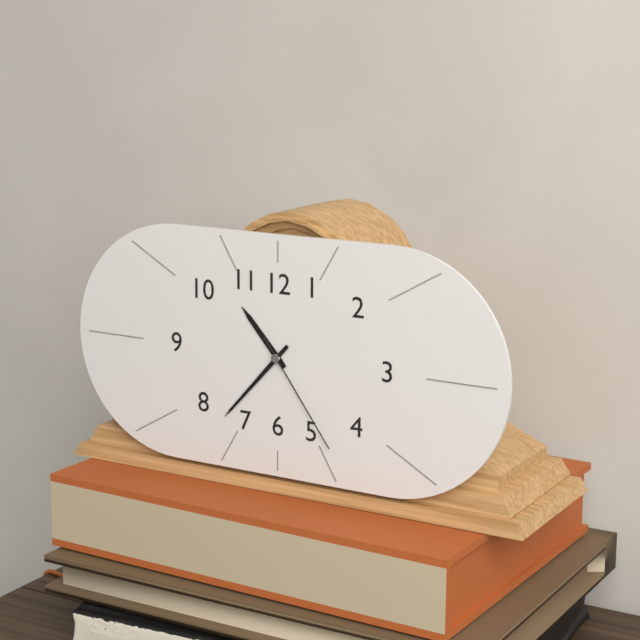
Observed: 10,37,24
